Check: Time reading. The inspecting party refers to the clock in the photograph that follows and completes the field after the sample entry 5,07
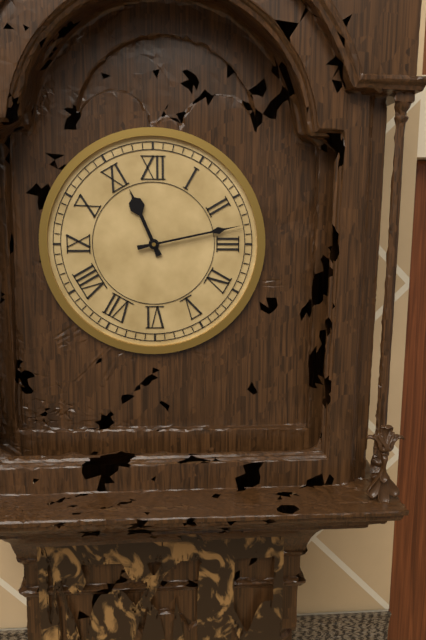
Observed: 11,13
